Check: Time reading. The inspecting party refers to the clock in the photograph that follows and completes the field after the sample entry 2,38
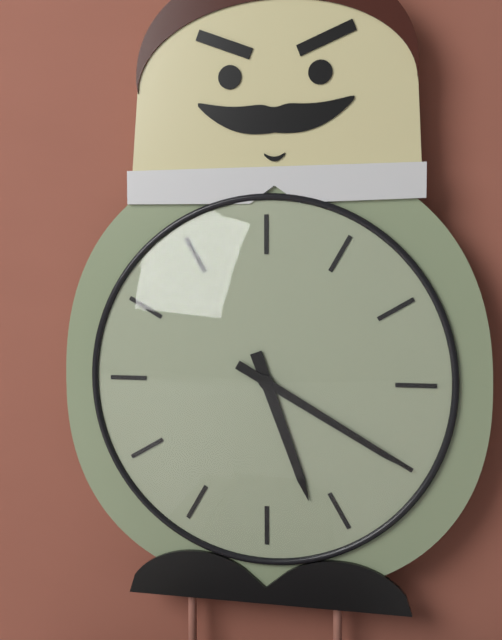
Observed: 5,20
